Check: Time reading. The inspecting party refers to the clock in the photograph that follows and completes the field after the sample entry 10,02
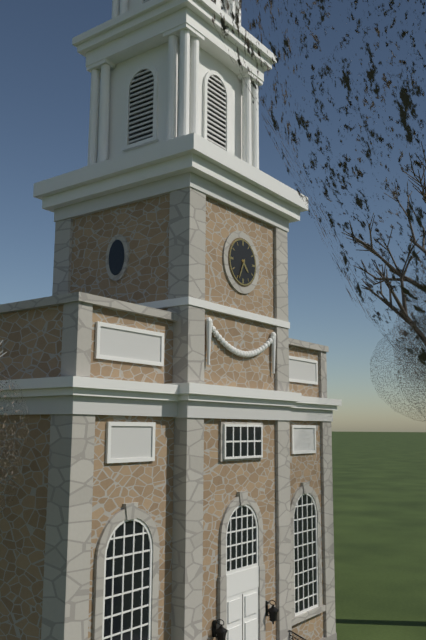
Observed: 4,34
